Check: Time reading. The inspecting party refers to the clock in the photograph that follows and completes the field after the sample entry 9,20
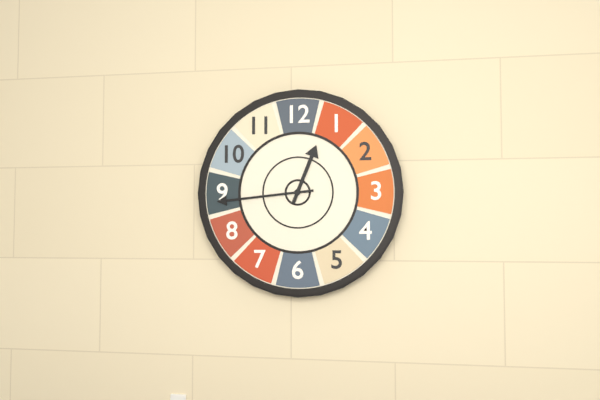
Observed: 12,44
